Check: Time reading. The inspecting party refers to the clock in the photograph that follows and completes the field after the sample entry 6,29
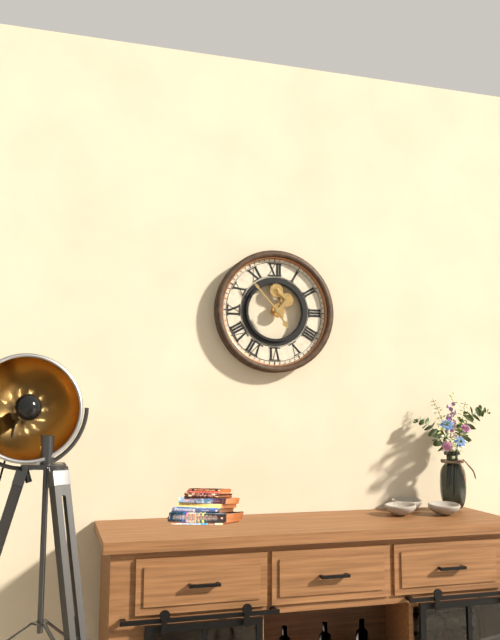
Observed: 4,53
